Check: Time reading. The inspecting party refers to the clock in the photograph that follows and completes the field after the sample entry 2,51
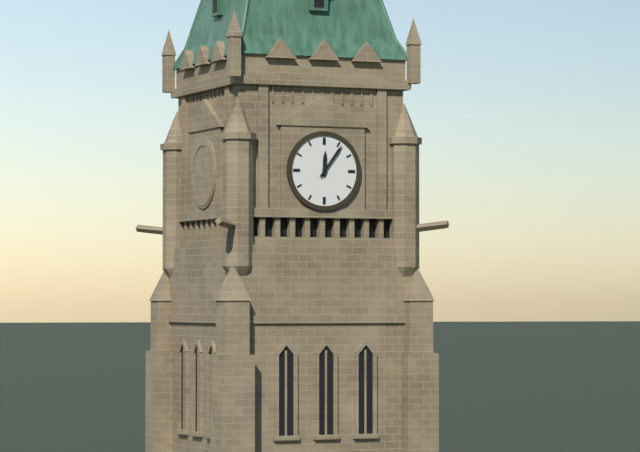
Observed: 12,06
